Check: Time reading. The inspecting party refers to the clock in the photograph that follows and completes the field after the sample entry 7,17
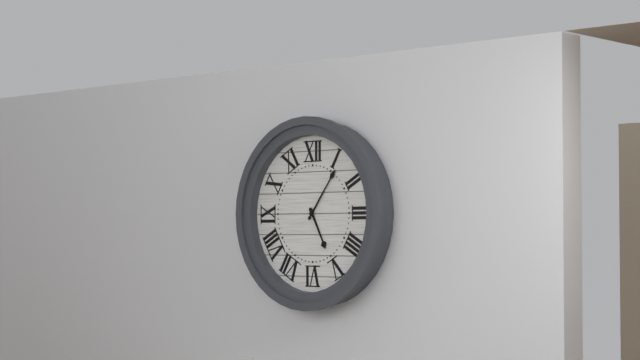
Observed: 5,06
